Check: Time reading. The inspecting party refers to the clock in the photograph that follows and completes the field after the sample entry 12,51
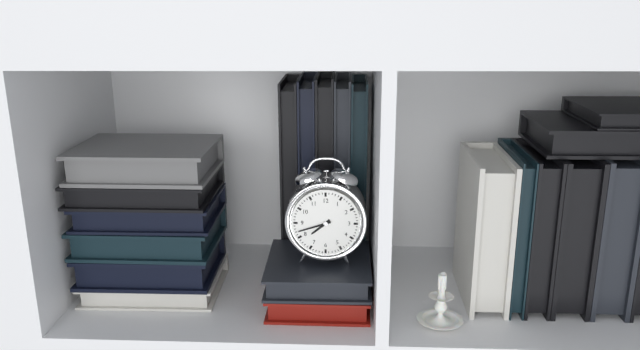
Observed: 7,42
